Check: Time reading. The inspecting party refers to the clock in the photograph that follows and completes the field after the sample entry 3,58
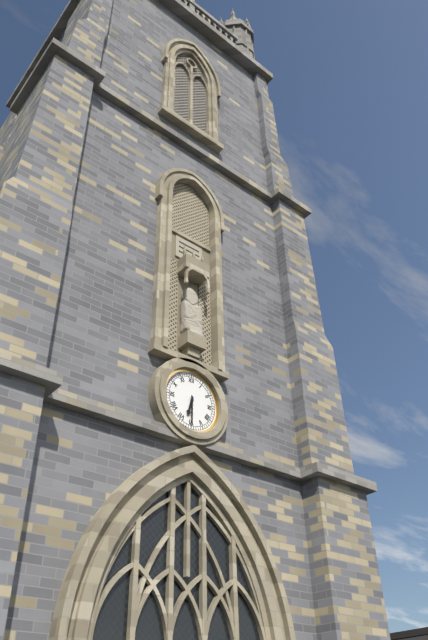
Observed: 6,30
